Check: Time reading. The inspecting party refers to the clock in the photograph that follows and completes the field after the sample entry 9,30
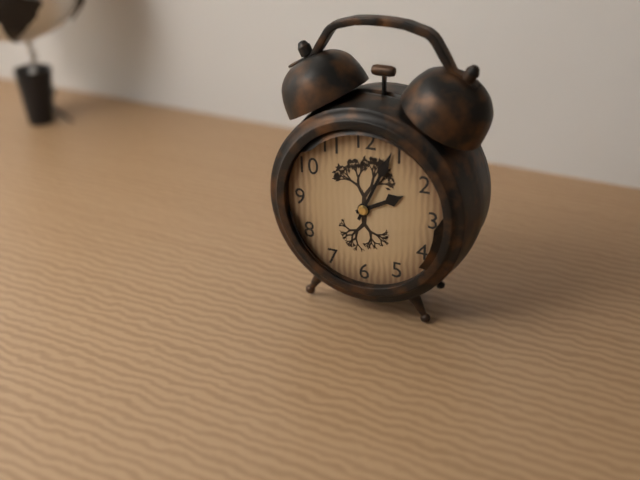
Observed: 2,04
